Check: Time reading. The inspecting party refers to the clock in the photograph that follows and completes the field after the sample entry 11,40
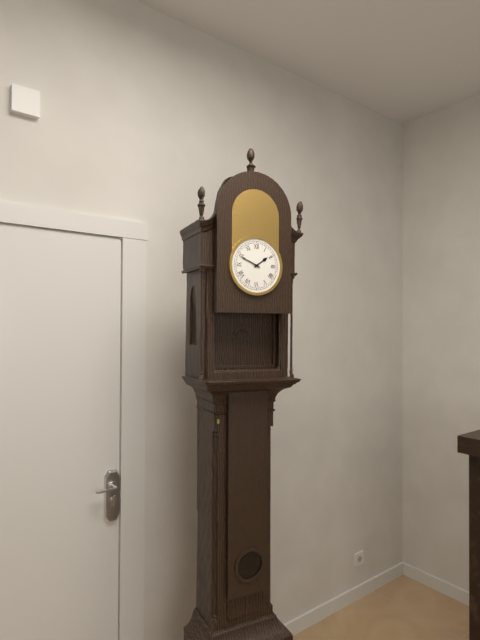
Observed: 1,49
